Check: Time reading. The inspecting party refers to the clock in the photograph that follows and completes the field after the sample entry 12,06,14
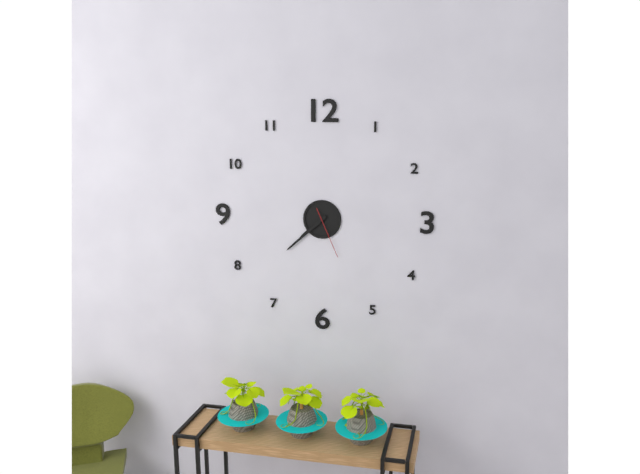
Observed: 7,38,26
